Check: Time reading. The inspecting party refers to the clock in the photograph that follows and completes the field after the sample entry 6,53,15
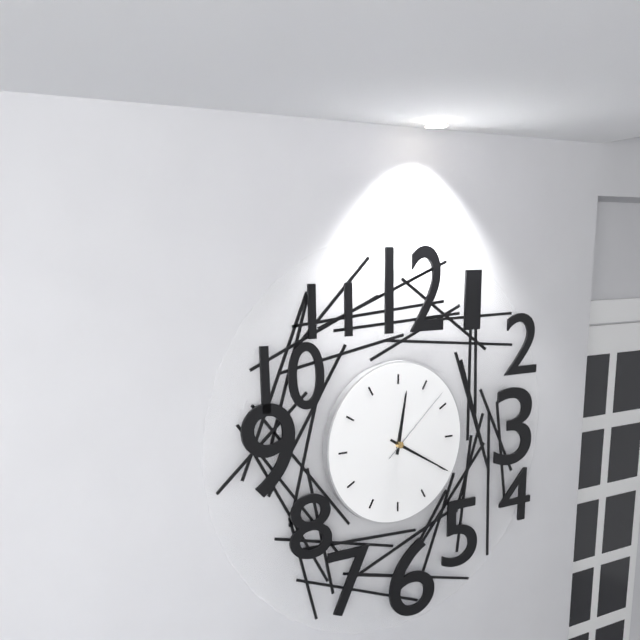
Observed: 12,20,08
